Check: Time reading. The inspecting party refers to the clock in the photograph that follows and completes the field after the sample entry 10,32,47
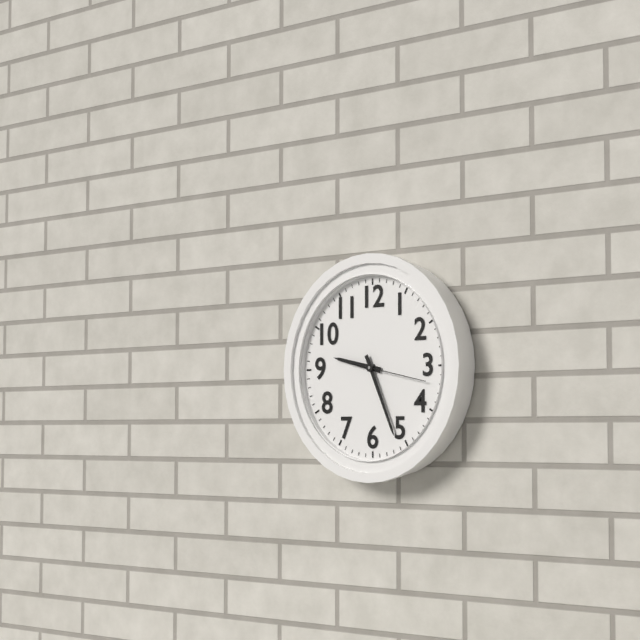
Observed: 9,26,17
